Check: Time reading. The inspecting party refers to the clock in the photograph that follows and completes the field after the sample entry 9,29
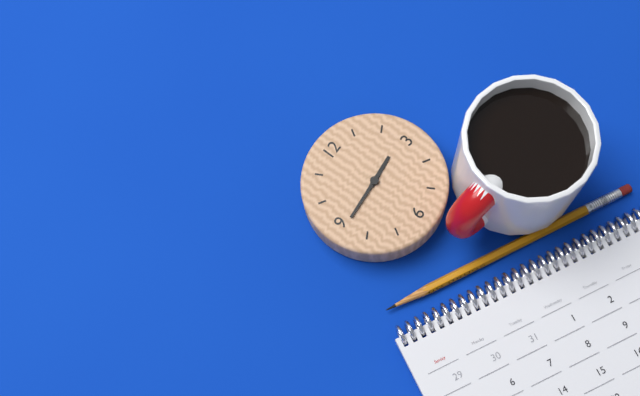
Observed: 2,44
